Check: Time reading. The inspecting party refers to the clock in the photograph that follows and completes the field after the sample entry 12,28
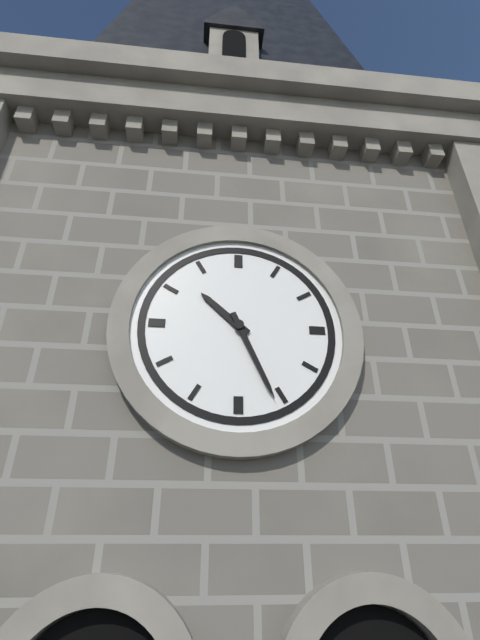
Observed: 10,26
